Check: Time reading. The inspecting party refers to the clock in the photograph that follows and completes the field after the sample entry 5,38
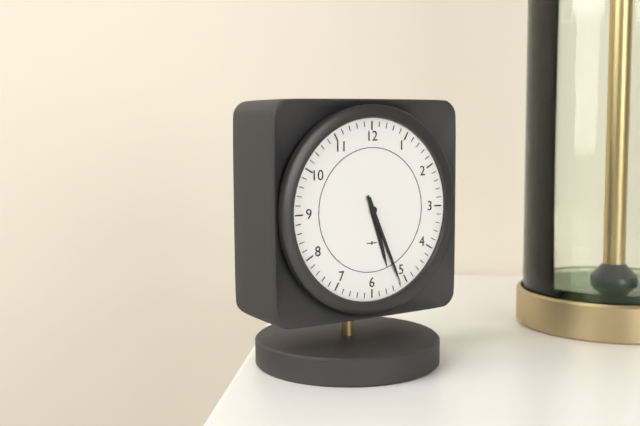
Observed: 5,26
